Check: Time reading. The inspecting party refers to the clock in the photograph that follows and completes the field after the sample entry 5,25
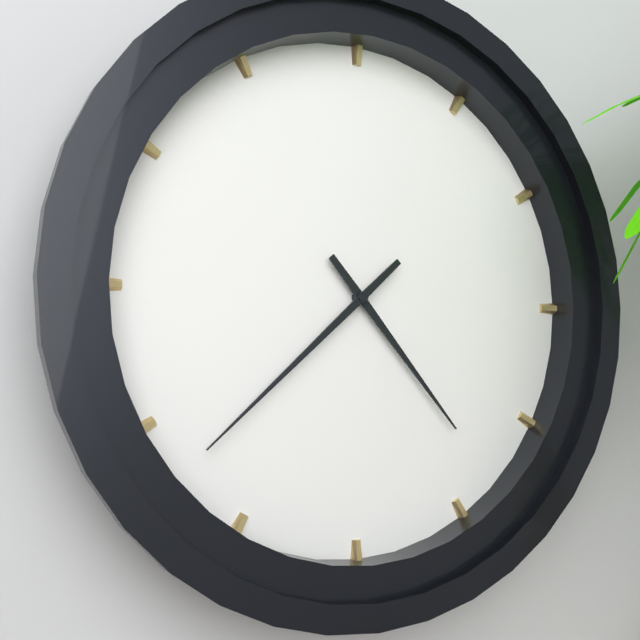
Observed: 4,38
